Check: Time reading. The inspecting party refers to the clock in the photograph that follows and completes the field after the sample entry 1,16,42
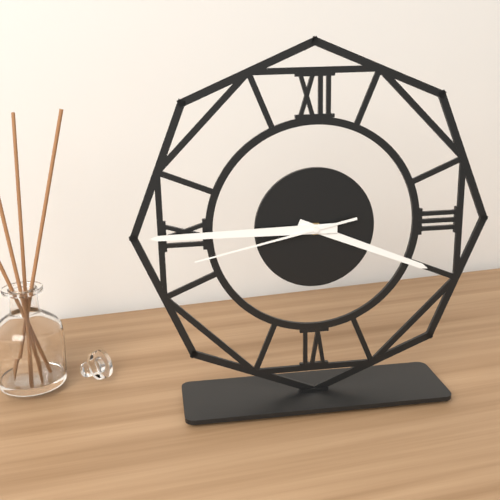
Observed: 3,45,43
